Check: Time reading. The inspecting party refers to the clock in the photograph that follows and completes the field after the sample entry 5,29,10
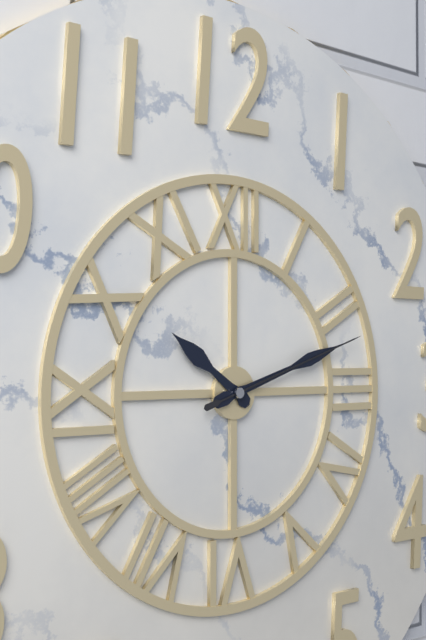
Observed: 10,12,12
